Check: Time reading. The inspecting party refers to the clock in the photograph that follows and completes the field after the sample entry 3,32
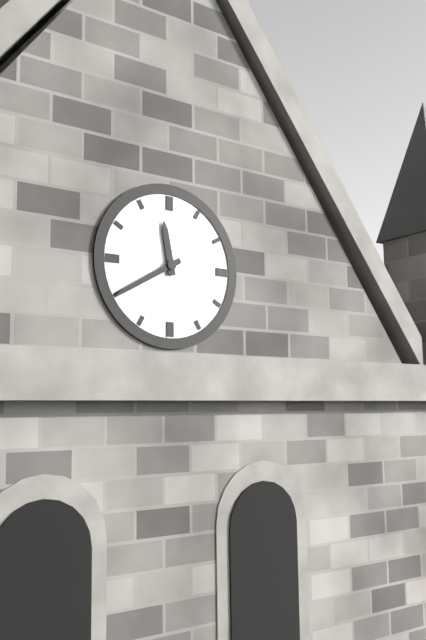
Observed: 11,40
